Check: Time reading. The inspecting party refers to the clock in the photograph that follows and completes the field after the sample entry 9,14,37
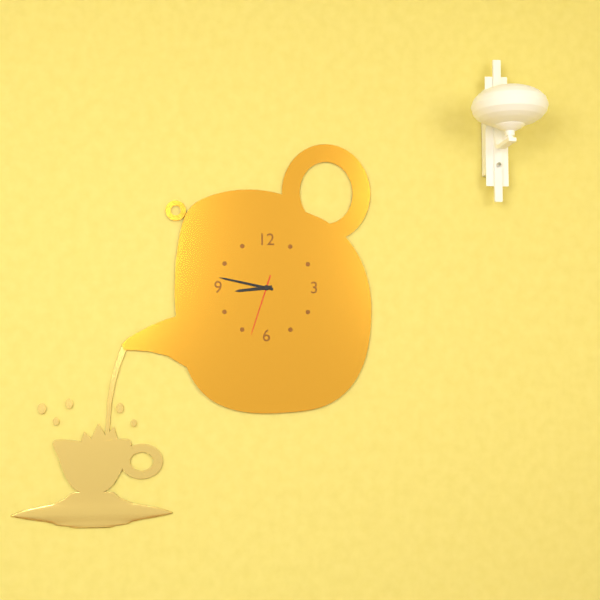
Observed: 8,47,33
